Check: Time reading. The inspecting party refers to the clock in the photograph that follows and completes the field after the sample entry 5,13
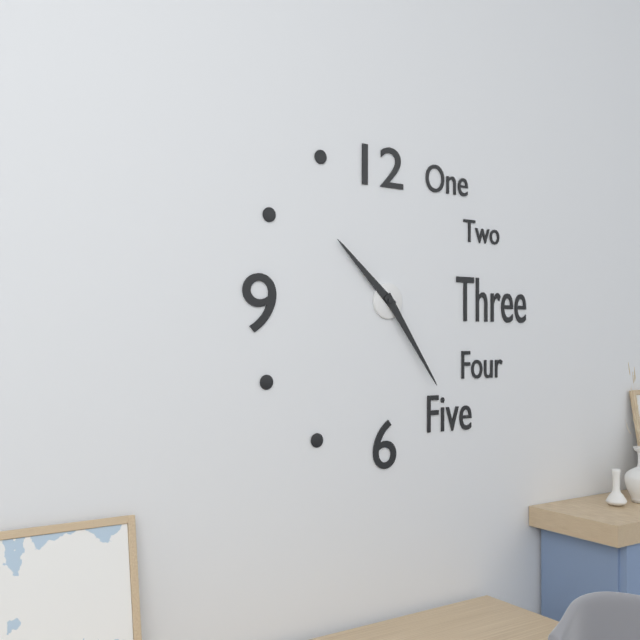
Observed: 10,24
